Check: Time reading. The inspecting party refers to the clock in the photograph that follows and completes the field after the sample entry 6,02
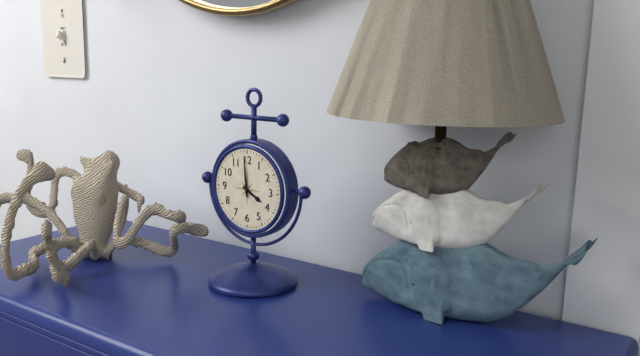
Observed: 3,59
